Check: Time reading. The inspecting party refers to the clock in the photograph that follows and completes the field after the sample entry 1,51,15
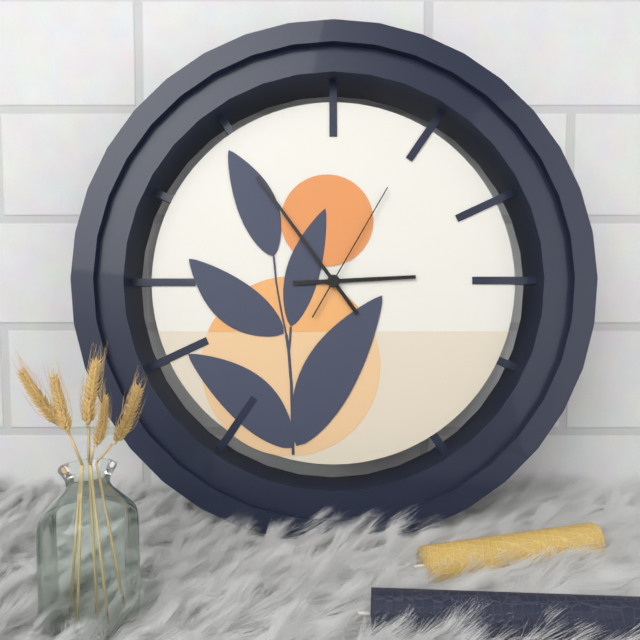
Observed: 2,54,05
